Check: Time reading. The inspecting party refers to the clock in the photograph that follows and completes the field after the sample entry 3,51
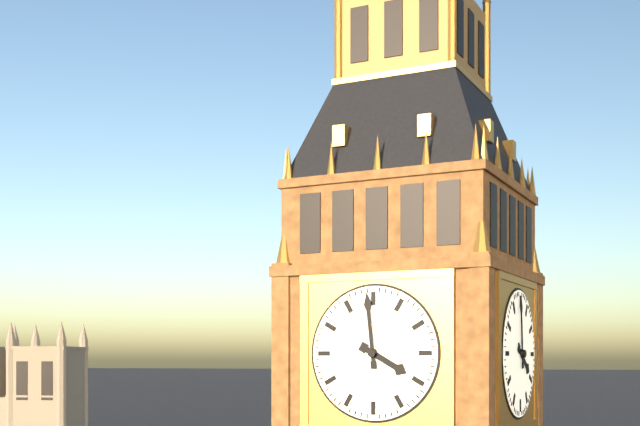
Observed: 3,59
